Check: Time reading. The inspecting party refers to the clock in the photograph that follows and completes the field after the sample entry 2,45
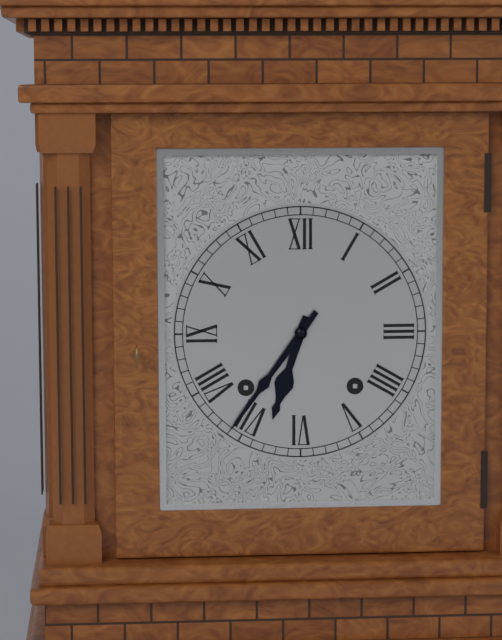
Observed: 6,36
